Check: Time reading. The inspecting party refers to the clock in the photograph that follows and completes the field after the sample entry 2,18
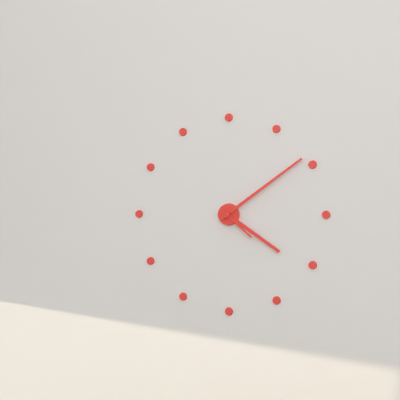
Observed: 4,09
